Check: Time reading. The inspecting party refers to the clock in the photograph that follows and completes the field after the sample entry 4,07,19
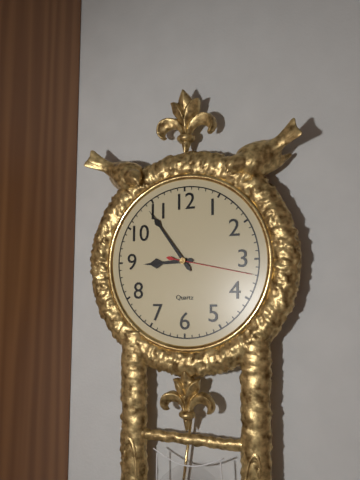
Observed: 8,54,17
